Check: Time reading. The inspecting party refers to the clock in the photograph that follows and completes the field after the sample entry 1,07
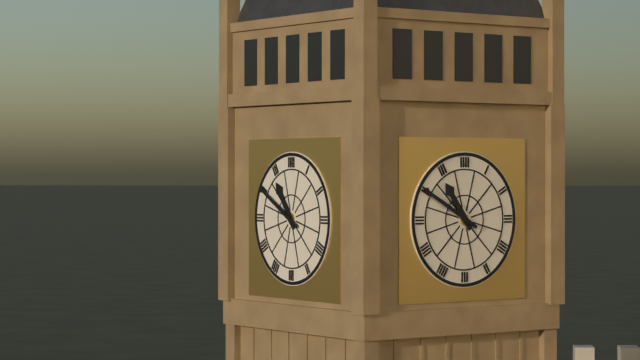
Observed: 10,50
